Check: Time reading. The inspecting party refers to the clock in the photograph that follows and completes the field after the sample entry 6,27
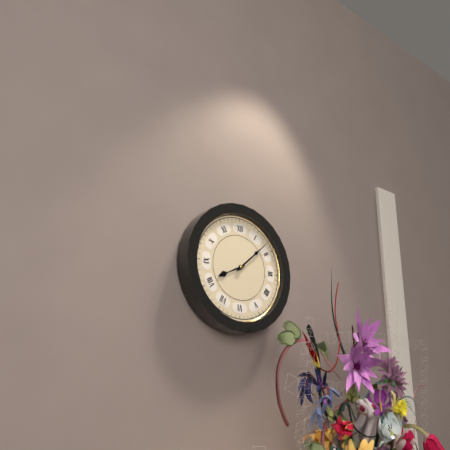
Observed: 8,08
